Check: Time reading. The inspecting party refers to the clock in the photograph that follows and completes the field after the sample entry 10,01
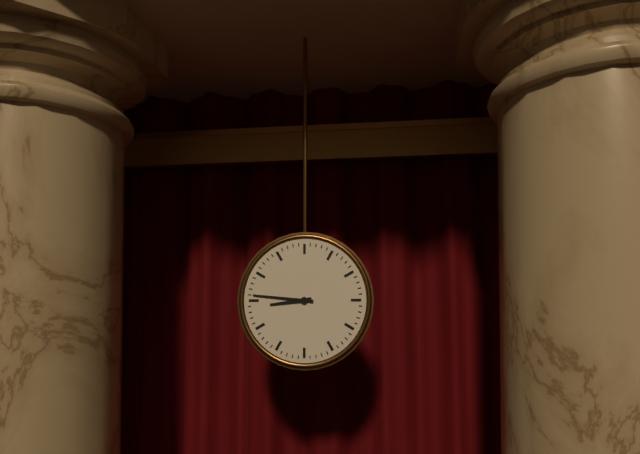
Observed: 8,46
